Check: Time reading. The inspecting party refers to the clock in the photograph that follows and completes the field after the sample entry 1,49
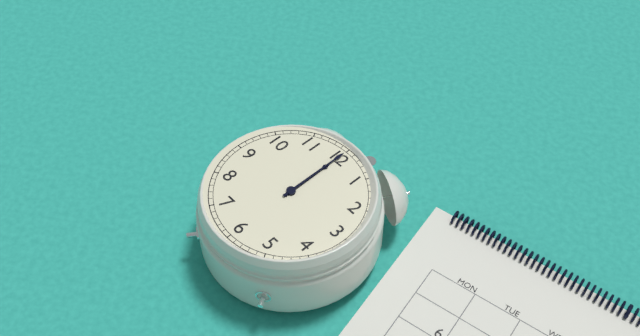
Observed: 12,00
